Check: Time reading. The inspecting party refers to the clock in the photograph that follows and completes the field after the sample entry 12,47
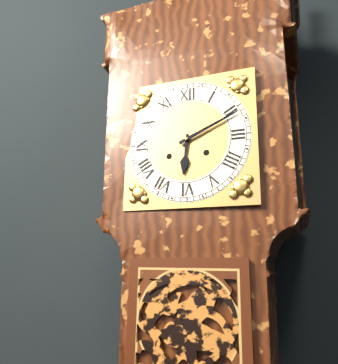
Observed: 6,11
